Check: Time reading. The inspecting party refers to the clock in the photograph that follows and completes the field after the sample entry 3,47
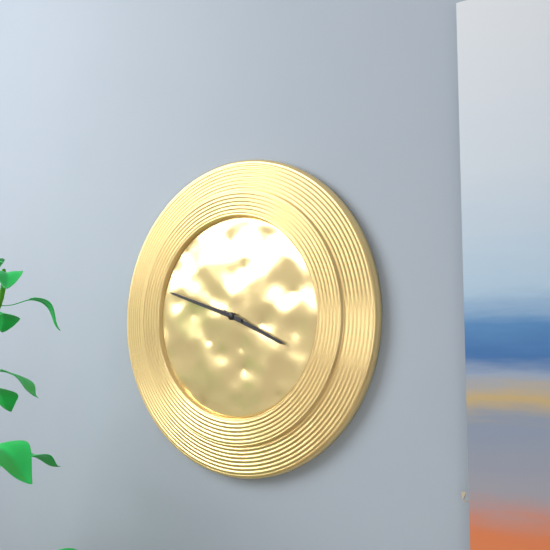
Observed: 3,48
